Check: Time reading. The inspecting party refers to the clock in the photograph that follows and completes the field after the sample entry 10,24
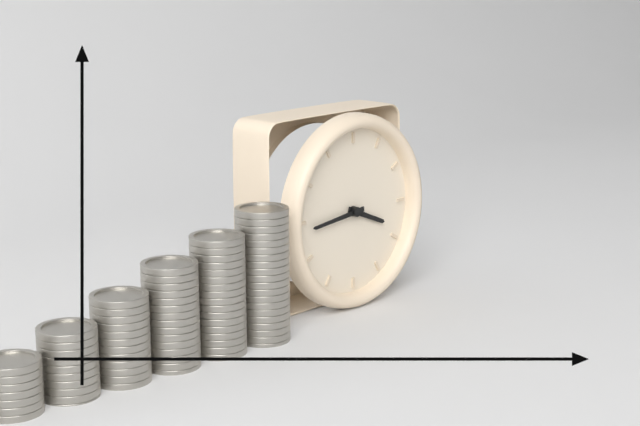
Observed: 3,44
